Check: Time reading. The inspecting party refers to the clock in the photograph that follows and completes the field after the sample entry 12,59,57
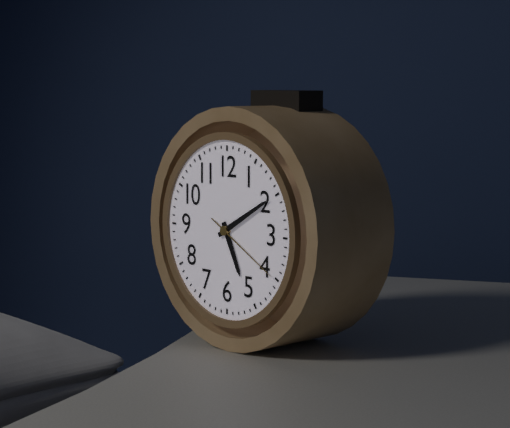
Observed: 5,10,20
